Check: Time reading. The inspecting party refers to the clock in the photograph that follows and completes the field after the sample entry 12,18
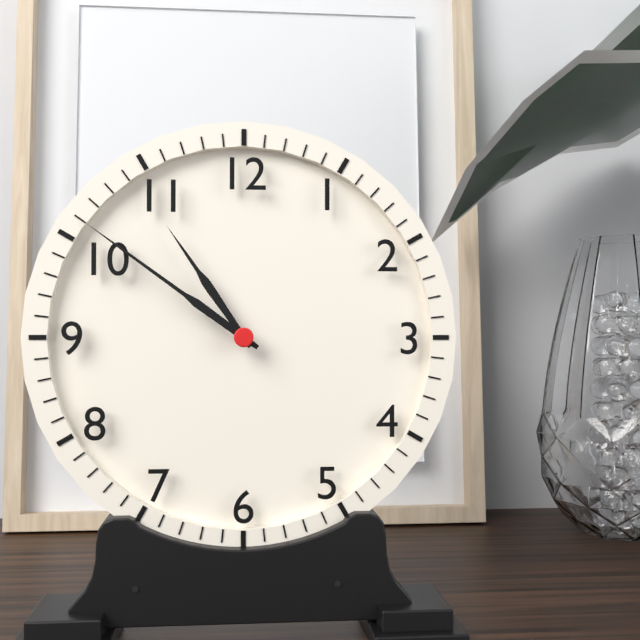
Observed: 10,51
